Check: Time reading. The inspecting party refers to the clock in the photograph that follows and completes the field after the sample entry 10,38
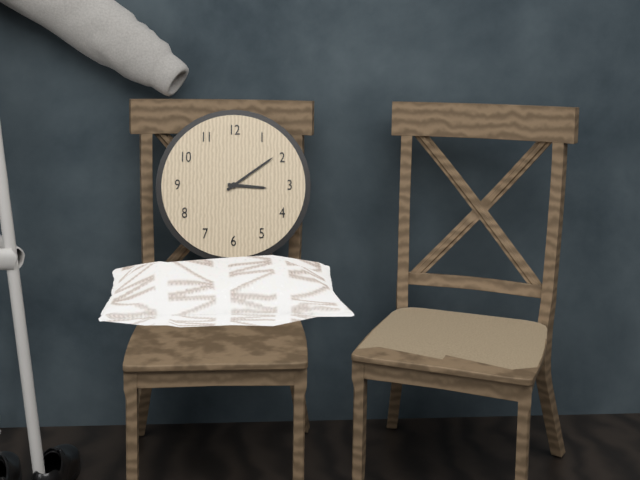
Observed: 3,09
